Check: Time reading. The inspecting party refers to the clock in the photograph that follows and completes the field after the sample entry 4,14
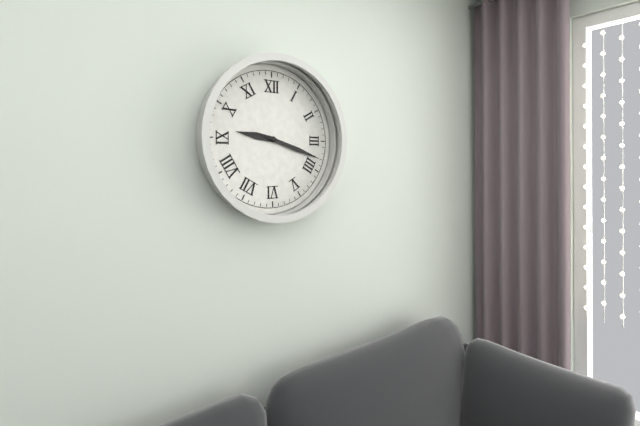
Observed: 9,18
